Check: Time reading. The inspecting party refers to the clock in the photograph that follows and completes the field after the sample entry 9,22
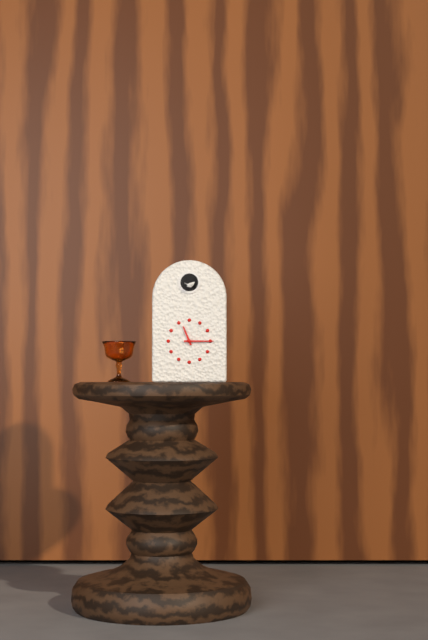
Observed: 11,15
